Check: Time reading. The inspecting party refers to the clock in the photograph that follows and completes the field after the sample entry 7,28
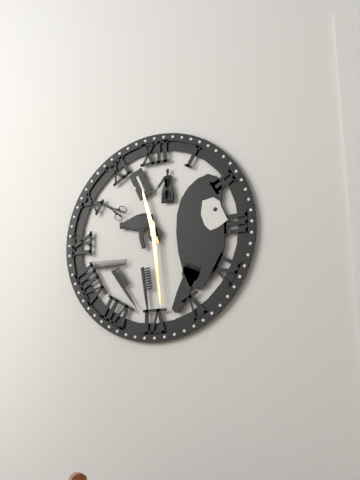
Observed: 11,29
